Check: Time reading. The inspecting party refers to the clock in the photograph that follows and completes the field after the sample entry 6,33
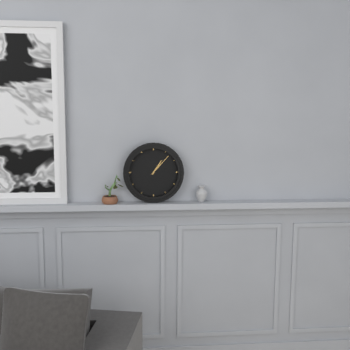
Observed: 1,07
